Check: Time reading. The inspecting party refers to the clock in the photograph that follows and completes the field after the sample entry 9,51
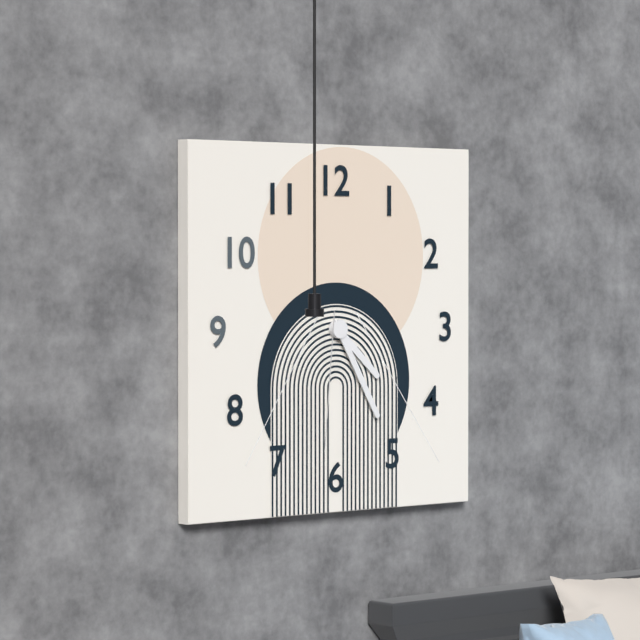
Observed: 4,25
